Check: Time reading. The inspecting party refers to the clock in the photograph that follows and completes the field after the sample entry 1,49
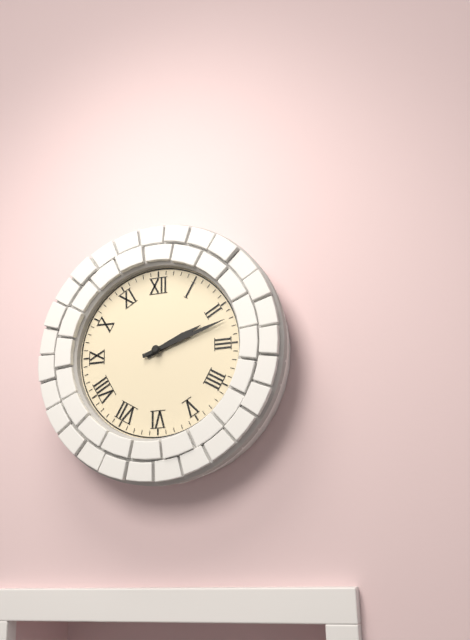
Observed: 2,12
